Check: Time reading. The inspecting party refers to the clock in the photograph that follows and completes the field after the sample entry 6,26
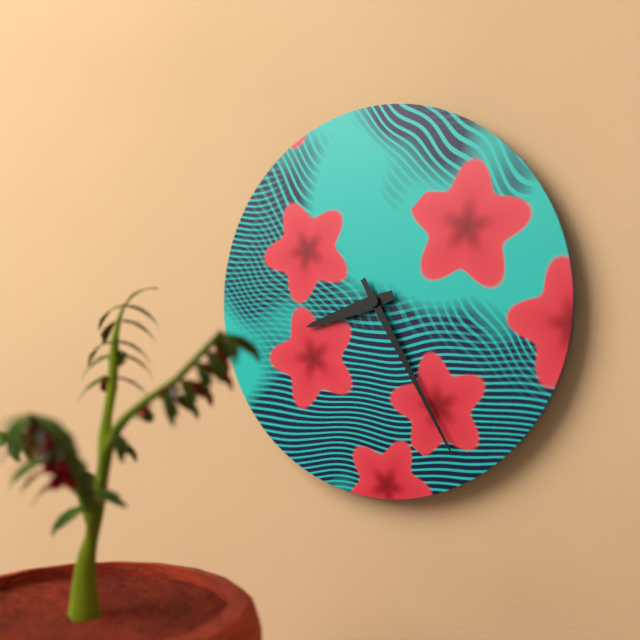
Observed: 8,25
